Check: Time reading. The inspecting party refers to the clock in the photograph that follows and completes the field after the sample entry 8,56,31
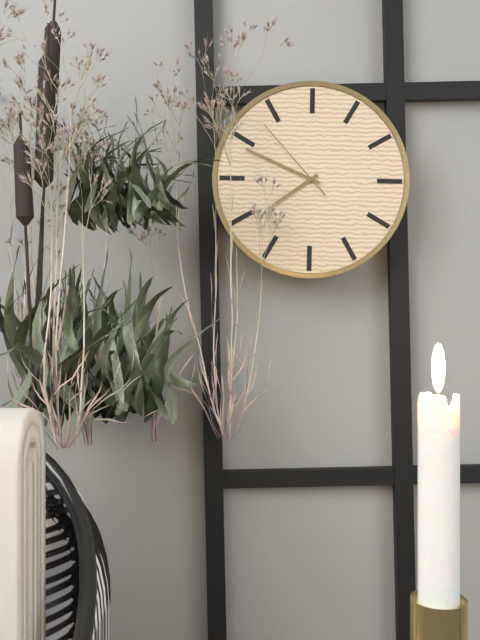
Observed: 7,49,53
